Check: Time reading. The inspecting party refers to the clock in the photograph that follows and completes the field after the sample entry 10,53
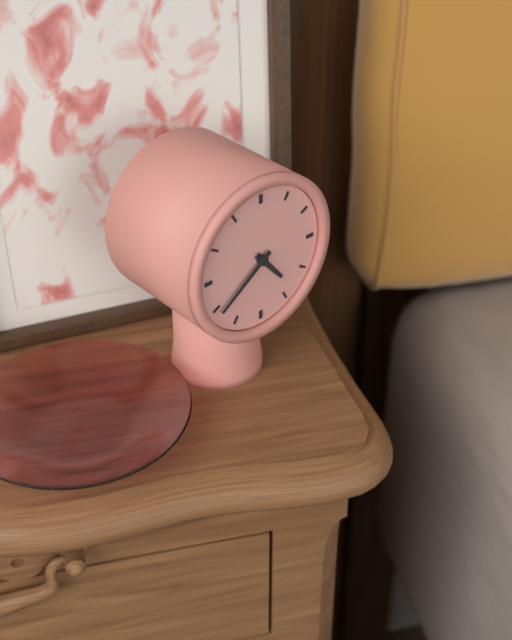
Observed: 4,39
